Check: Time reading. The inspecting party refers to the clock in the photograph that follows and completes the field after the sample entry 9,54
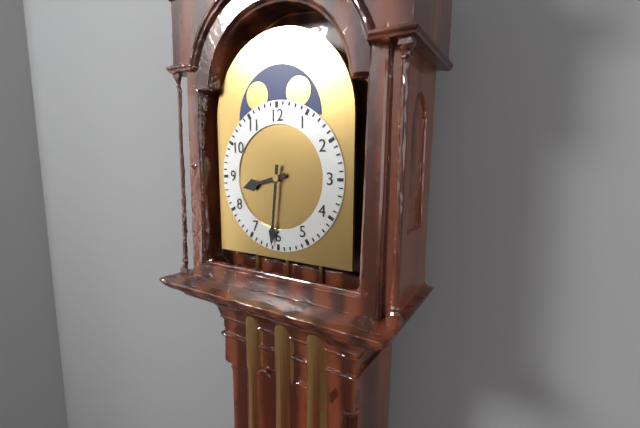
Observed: 8,31
